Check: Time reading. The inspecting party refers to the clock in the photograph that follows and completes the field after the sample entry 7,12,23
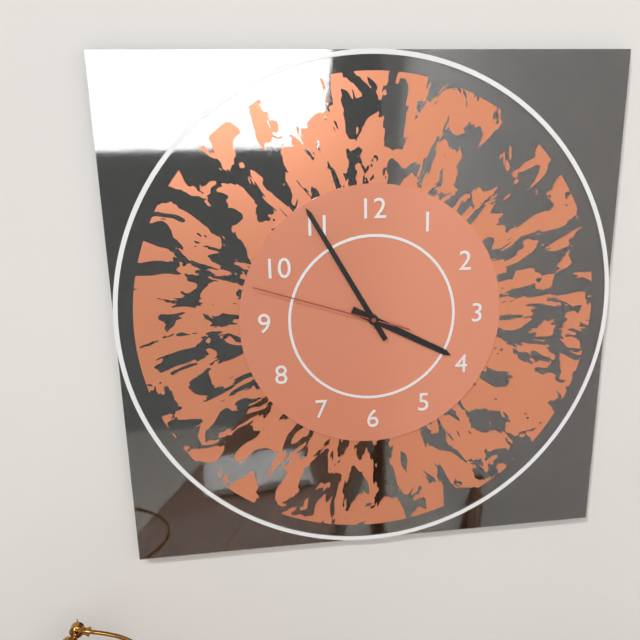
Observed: 3,55,48
